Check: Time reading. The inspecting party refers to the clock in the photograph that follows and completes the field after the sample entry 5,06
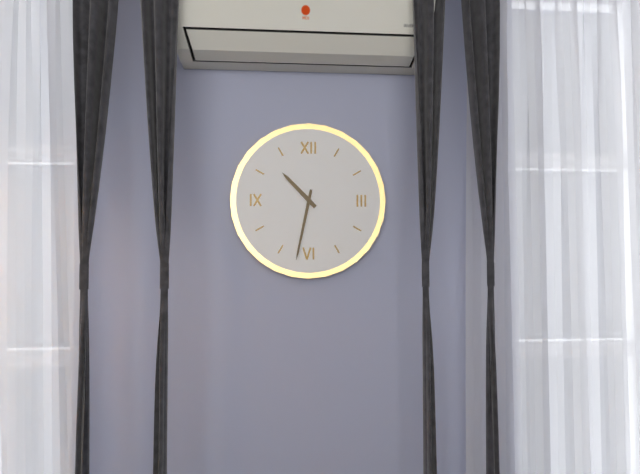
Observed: 10,32
